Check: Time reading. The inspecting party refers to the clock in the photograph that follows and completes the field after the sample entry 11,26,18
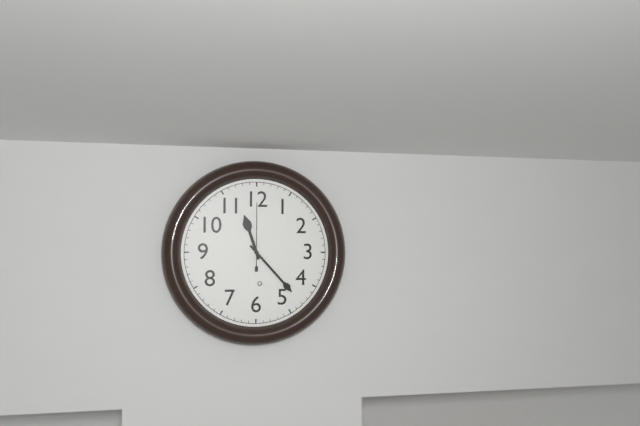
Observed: 11,23,00
